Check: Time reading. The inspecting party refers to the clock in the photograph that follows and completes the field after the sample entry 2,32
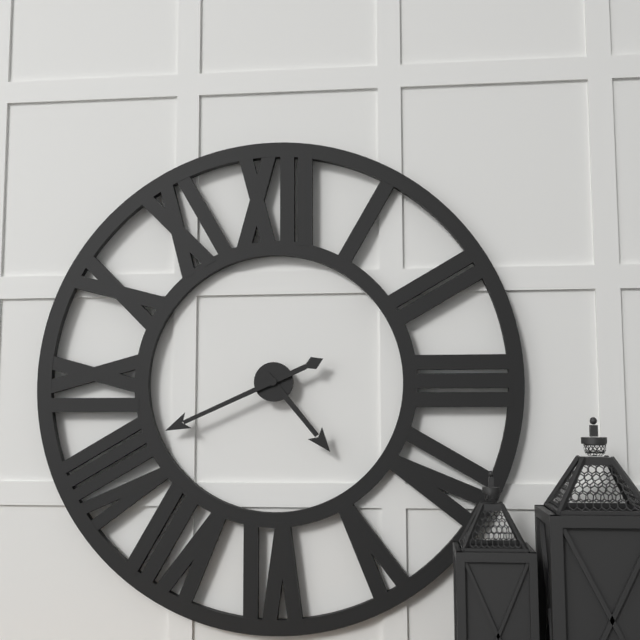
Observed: 4,41
